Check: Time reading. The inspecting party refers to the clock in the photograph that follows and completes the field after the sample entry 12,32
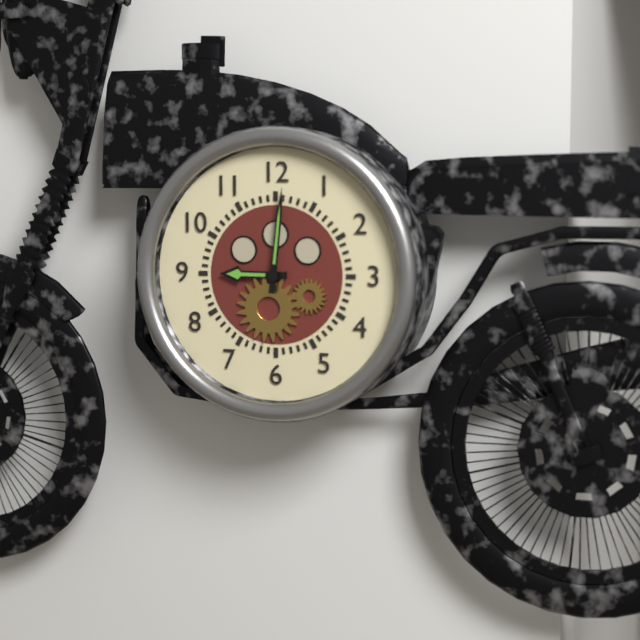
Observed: 9,01
